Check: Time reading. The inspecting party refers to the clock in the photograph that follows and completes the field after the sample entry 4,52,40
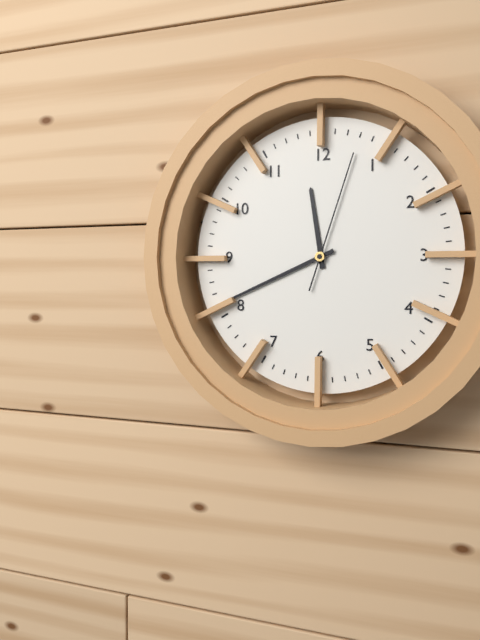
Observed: 11,41,03
